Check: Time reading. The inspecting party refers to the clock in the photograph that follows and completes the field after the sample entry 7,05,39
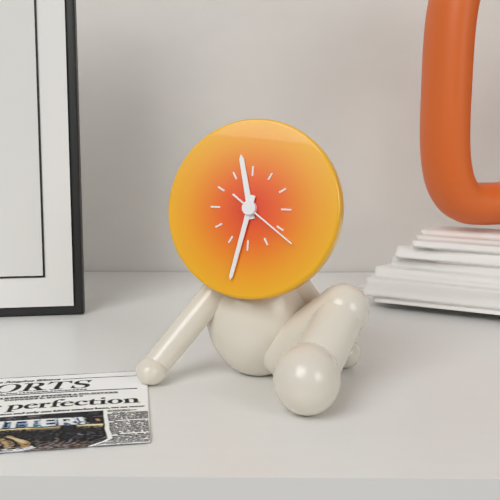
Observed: 11,32,21
